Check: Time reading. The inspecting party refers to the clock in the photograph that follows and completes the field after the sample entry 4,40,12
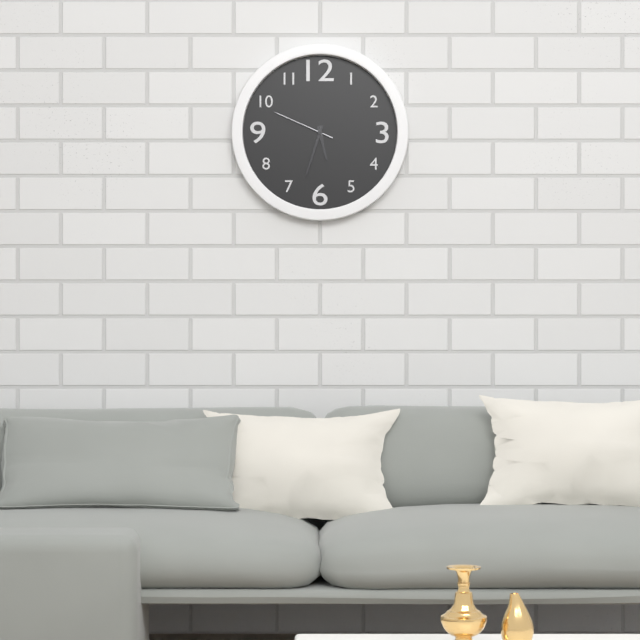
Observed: 5,33,49
